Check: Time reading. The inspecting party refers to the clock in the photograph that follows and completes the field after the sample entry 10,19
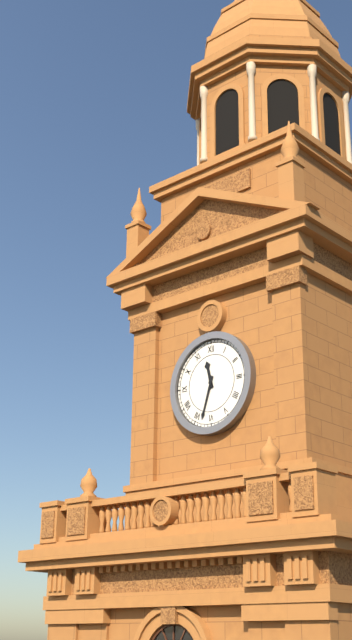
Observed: 11,33
